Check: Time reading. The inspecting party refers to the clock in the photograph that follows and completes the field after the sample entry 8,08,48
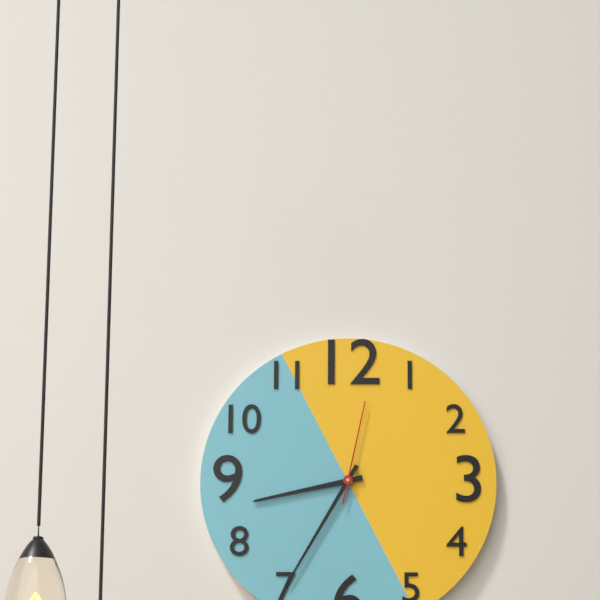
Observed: 8,35,02
